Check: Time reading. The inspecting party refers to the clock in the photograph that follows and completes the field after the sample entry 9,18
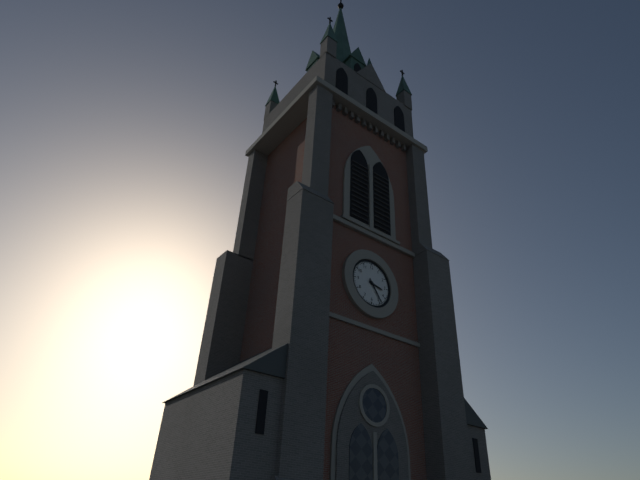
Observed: 3,24
